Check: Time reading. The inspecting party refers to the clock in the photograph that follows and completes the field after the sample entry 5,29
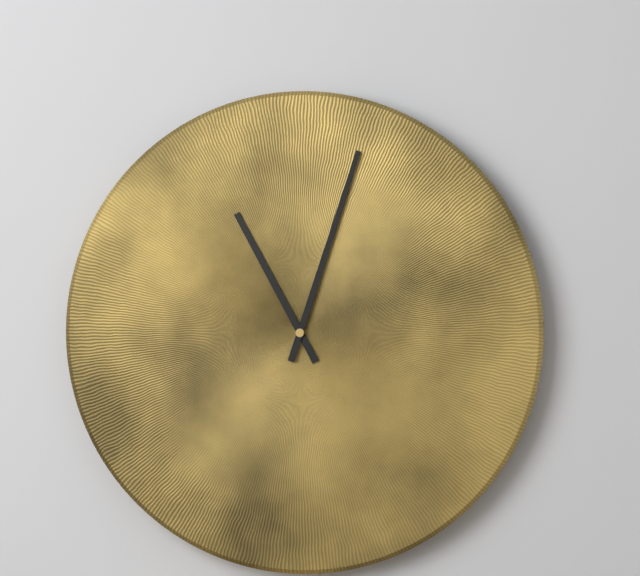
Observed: 11,03
